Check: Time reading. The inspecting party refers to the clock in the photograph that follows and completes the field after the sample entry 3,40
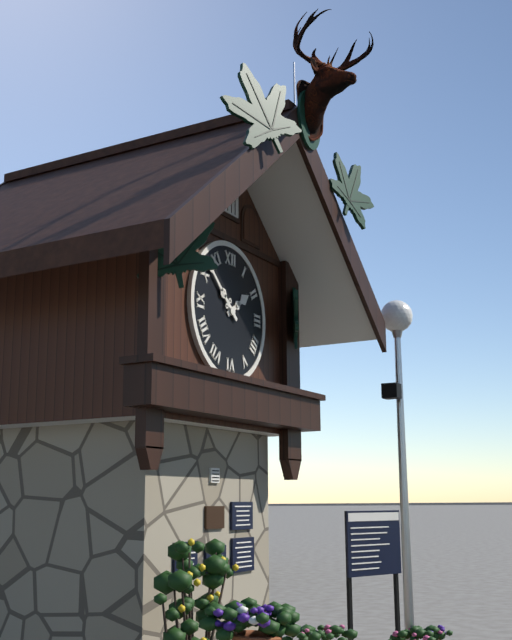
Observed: 1,52
